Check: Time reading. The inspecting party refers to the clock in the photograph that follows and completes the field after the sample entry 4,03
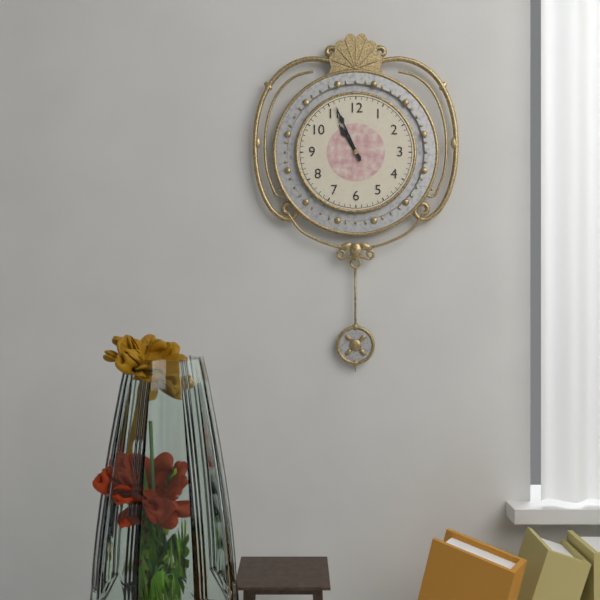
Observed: 10,56
